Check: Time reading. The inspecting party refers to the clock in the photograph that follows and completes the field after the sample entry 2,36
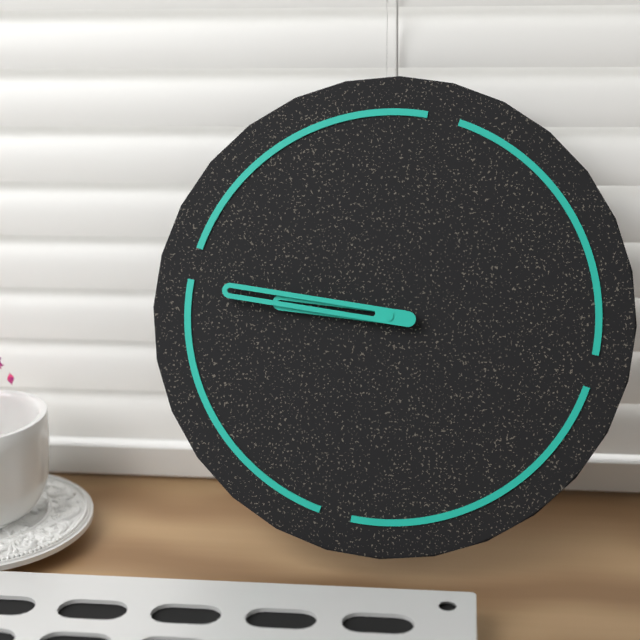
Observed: 8,44
